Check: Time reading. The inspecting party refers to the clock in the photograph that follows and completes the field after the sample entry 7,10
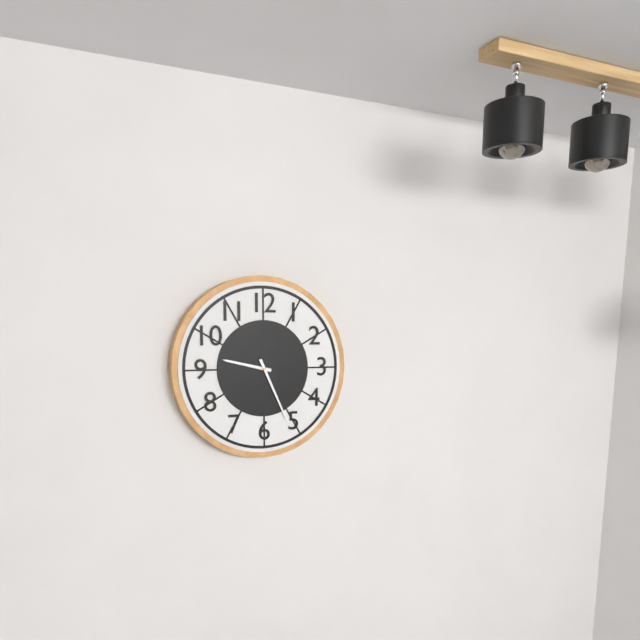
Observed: 9,26
